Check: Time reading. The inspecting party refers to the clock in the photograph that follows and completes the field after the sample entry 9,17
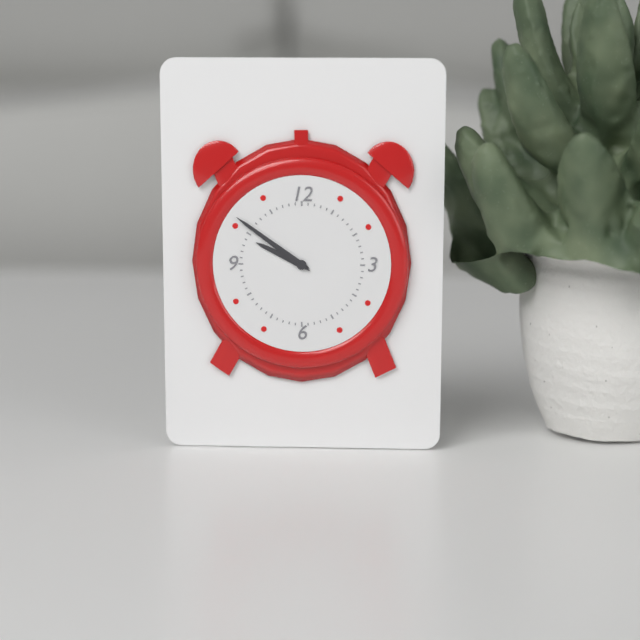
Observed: 9,51
